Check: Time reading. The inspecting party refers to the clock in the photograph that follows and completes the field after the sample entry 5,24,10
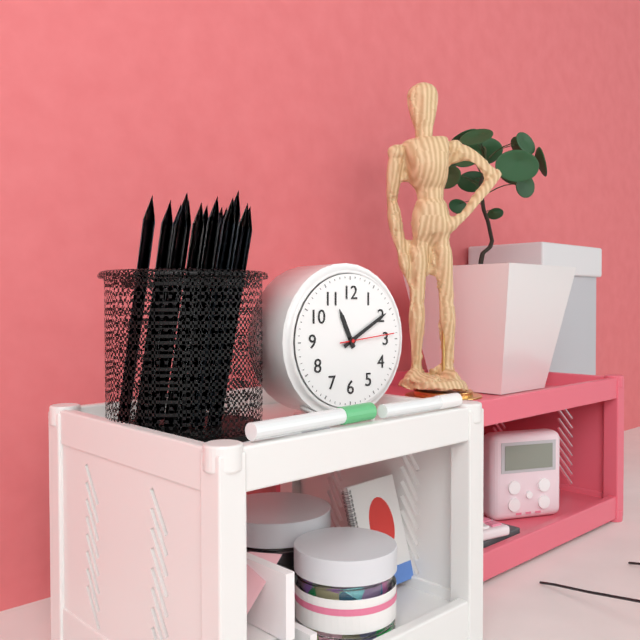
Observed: 11,10,14
